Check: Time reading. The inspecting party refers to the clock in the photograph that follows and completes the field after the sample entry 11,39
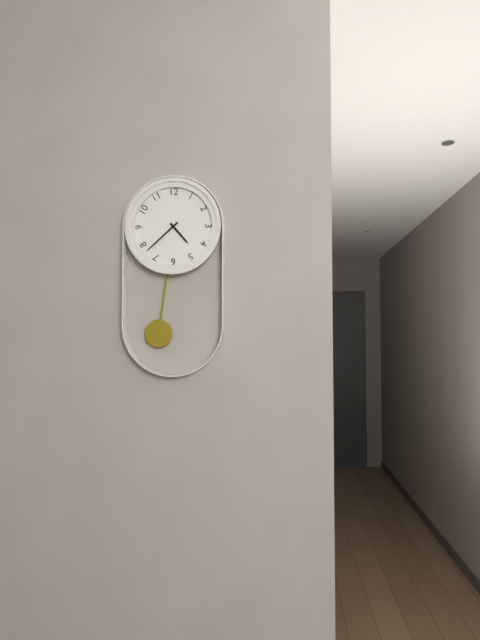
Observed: 4,38
